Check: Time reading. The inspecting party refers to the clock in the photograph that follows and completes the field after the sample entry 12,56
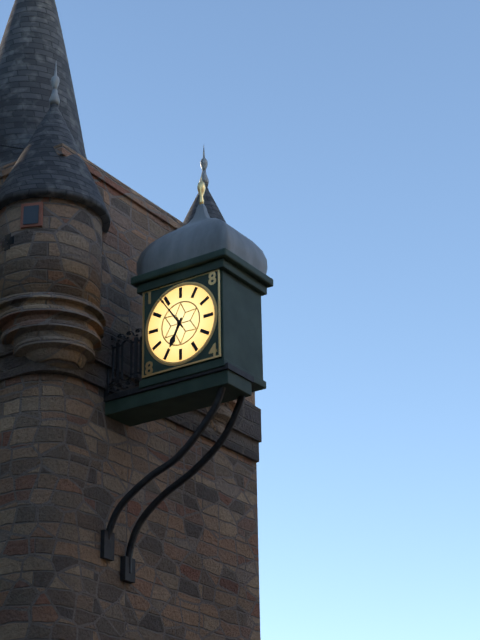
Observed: 6,54
